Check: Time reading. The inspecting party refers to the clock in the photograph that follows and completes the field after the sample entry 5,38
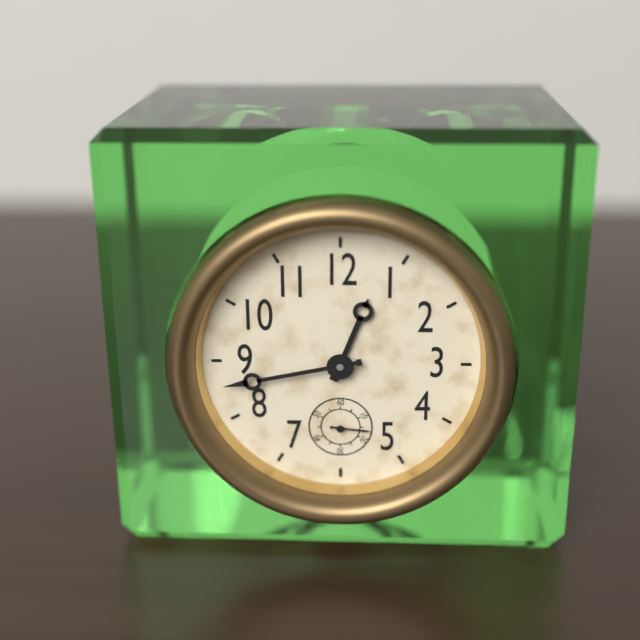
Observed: 12,43
